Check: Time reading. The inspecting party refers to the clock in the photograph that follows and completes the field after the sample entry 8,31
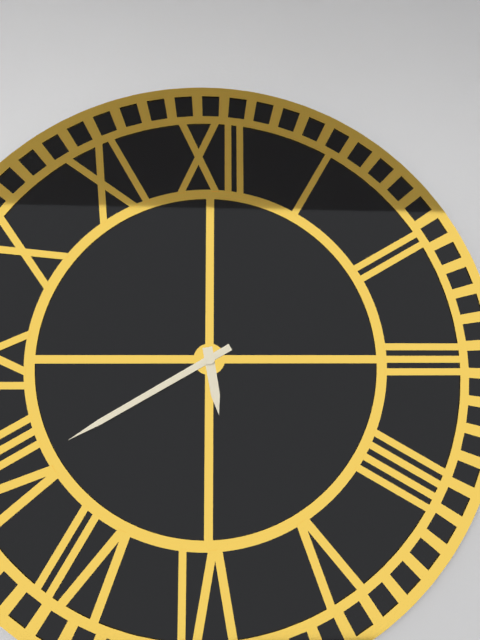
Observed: 5,40
